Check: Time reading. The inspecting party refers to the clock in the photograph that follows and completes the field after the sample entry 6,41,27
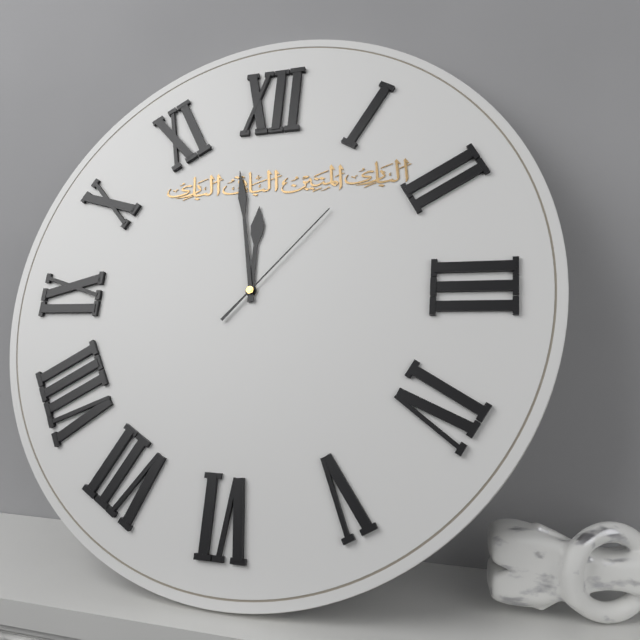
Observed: 11,58,07
